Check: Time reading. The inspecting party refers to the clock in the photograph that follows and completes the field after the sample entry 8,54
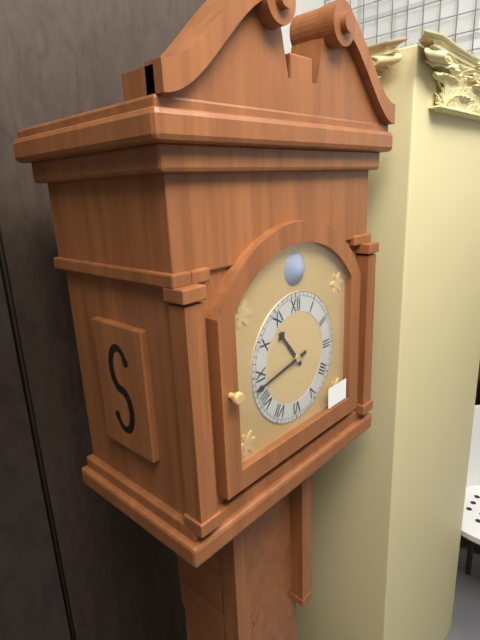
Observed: 10,43
